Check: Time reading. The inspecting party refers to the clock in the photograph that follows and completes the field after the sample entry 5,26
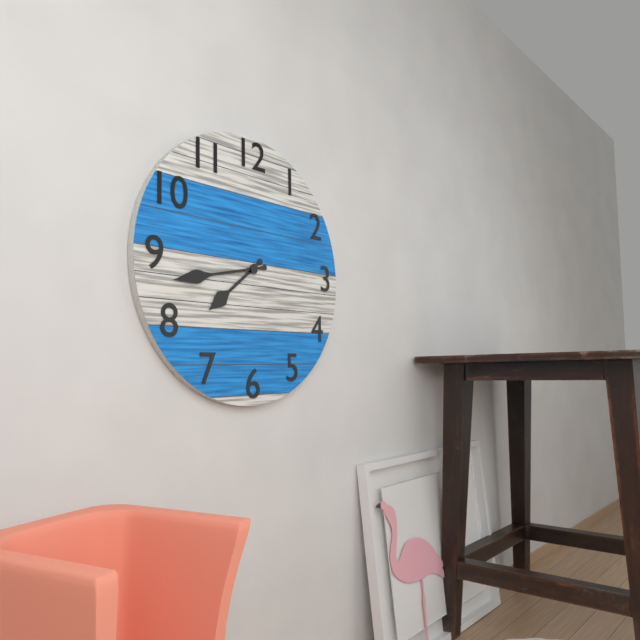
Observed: 7,43
